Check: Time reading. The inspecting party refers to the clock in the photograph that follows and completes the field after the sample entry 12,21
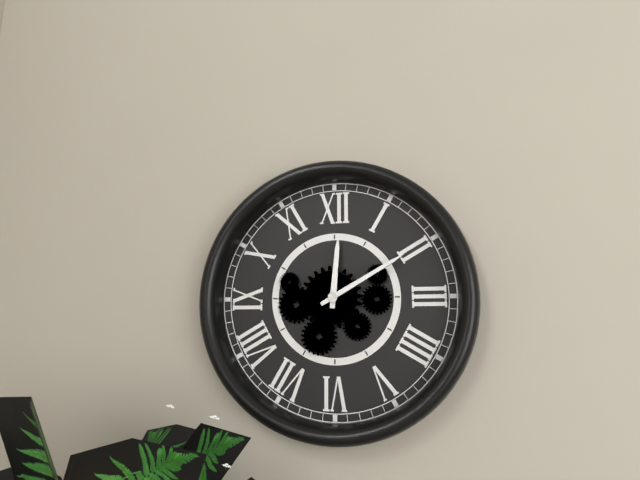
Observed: 12,10
